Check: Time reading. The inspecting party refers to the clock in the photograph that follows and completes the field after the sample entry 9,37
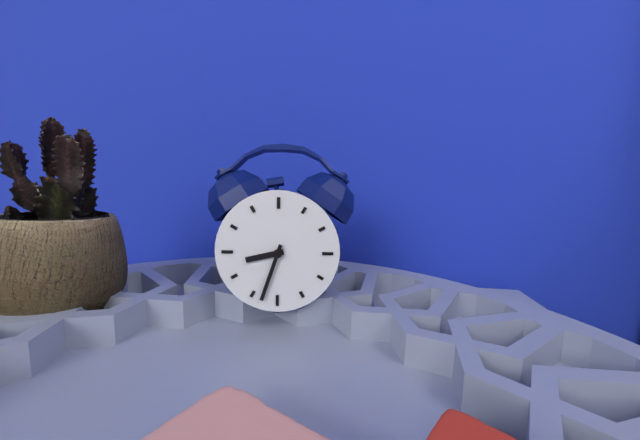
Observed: 8,33
